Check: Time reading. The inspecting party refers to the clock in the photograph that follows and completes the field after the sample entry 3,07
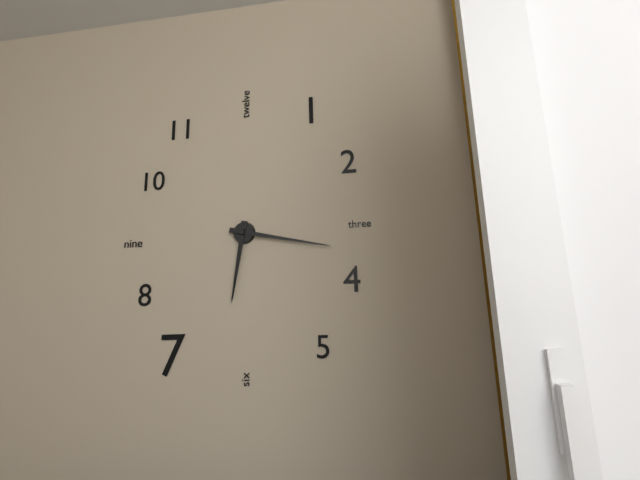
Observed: 6,17
